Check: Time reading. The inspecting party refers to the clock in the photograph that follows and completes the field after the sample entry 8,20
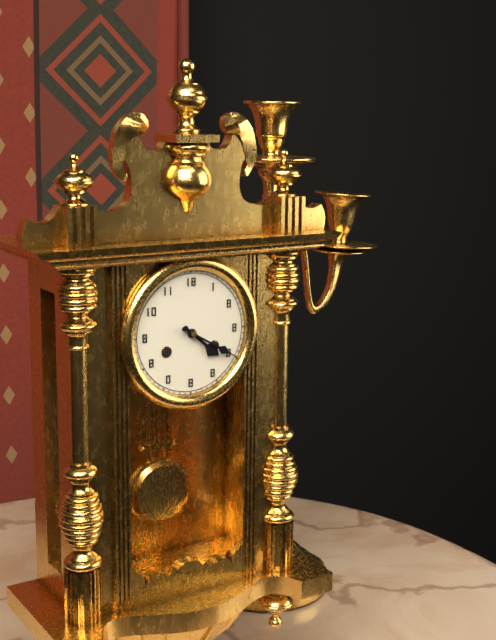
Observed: 4,20
